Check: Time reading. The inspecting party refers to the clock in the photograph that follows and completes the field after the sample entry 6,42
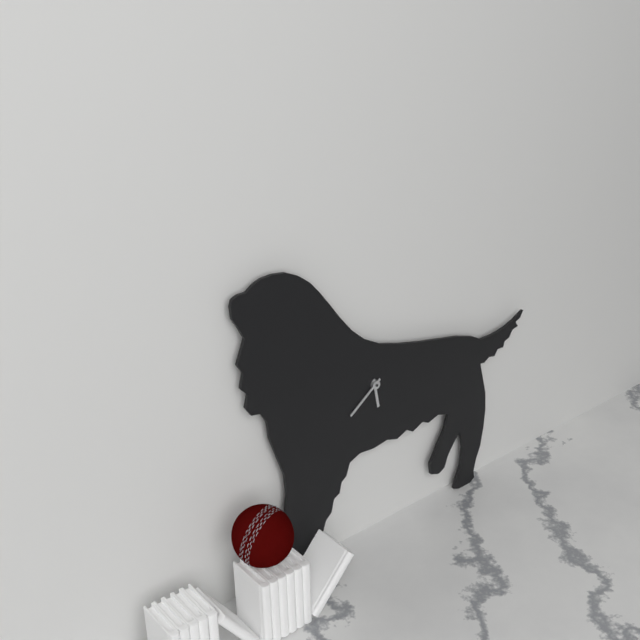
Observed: 5,39
